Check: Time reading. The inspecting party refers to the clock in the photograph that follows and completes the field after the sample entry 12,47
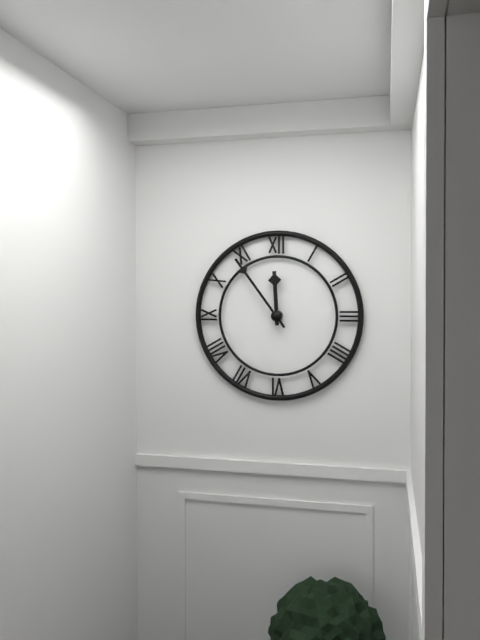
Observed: 11,54
